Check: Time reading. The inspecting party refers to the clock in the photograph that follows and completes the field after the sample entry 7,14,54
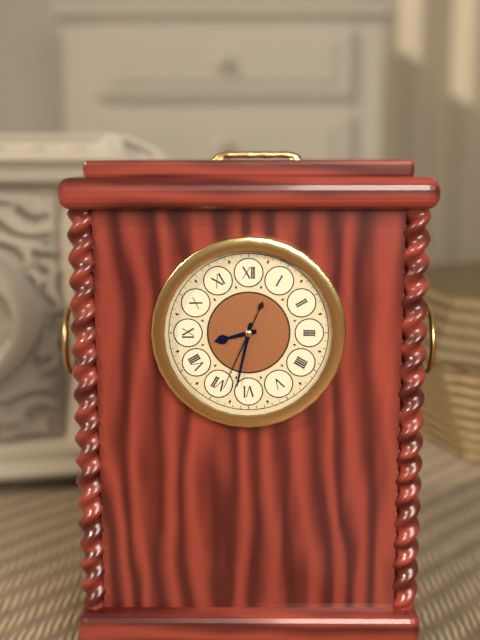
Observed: 8,32,34
